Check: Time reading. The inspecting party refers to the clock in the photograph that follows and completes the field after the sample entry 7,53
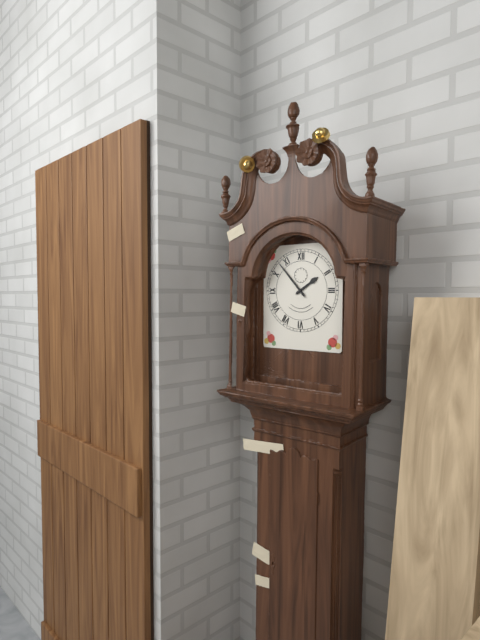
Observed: 1,53
